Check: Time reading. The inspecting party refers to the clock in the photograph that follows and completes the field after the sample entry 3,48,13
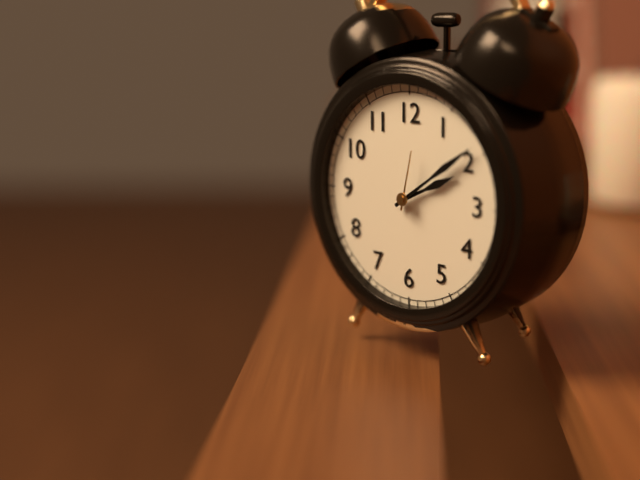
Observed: 2,09,02
